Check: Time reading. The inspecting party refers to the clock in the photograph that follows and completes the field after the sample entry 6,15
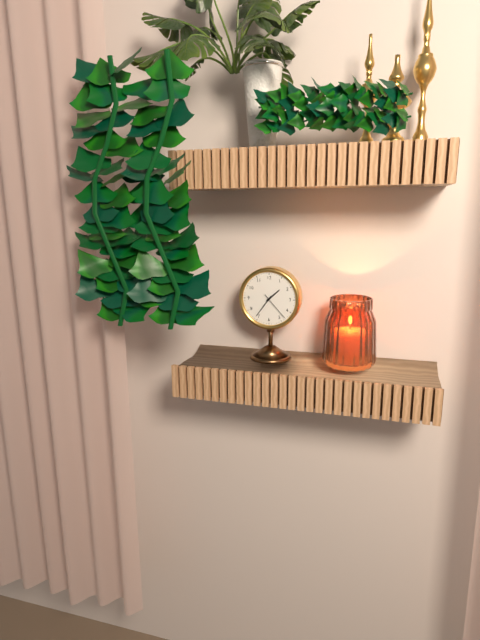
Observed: 1,36
